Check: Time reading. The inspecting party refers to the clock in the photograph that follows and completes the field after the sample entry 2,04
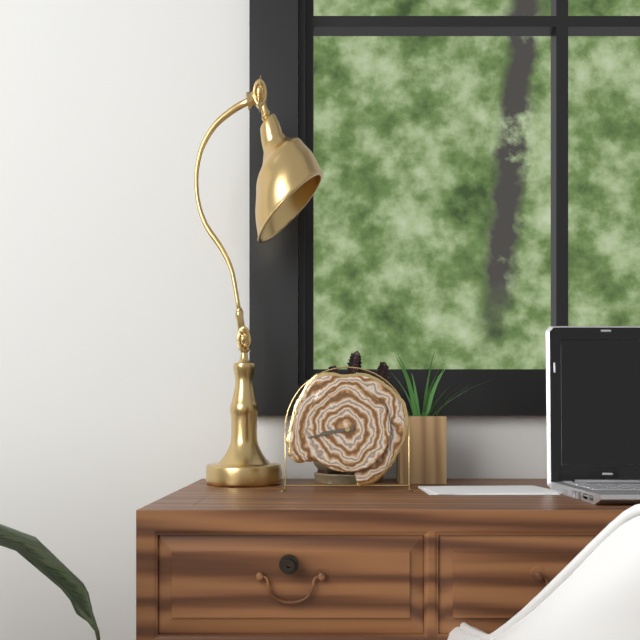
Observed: 8,43
